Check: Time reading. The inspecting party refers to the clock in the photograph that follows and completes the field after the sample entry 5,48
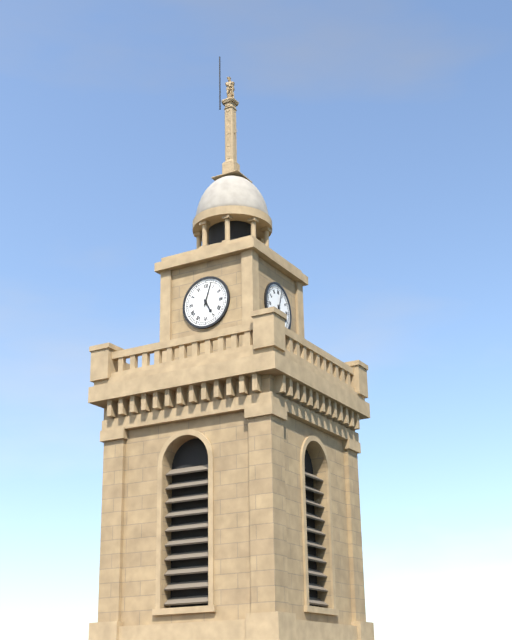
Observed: 5,03
